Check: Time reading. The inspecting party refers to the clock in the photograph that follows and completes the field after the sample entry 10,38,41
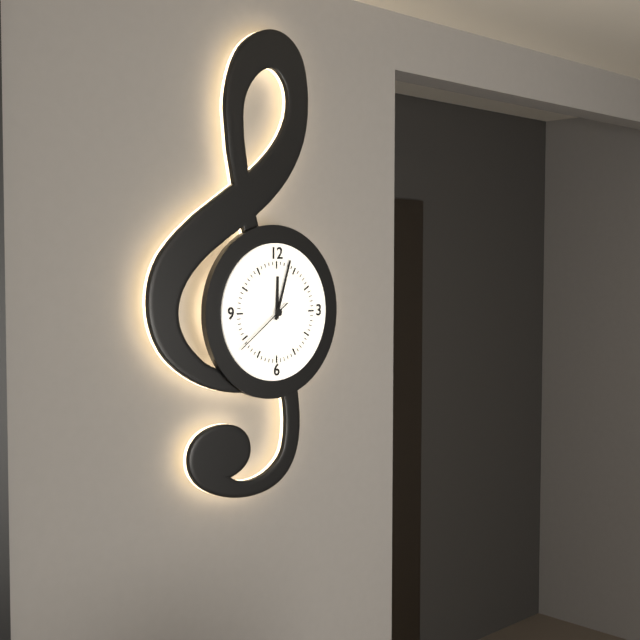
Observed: 12,03,39
